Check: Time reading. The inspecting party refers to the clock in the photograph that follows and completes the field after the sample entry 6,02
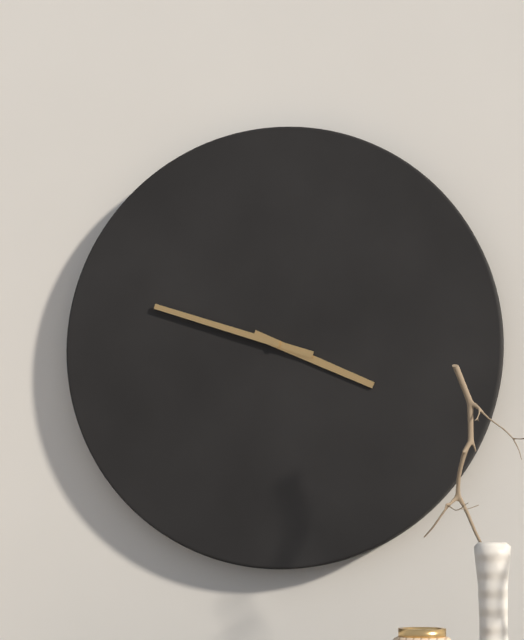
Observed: 3,48
